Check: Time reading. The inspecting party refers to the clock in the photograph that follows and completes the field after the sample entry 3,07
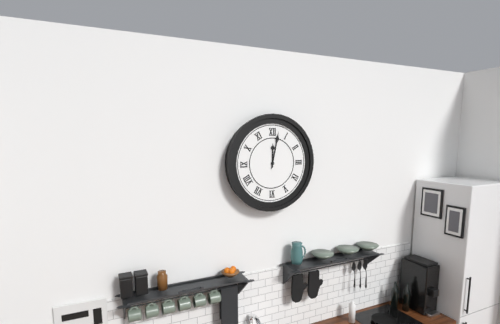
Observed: 12,02
